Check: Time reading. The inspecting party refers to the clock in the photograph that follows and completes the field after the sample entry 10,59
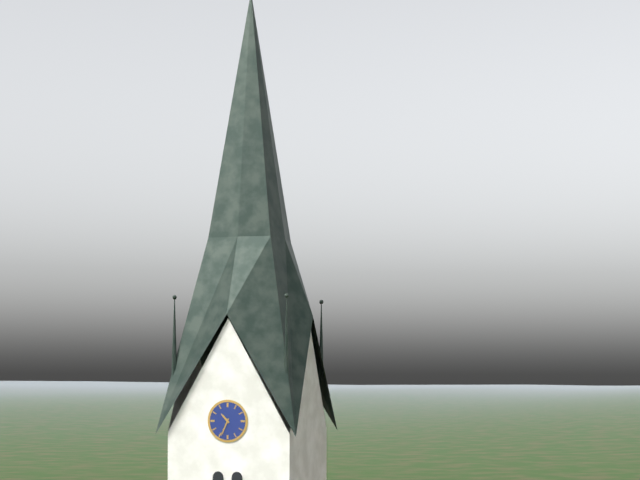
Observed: 10,34
